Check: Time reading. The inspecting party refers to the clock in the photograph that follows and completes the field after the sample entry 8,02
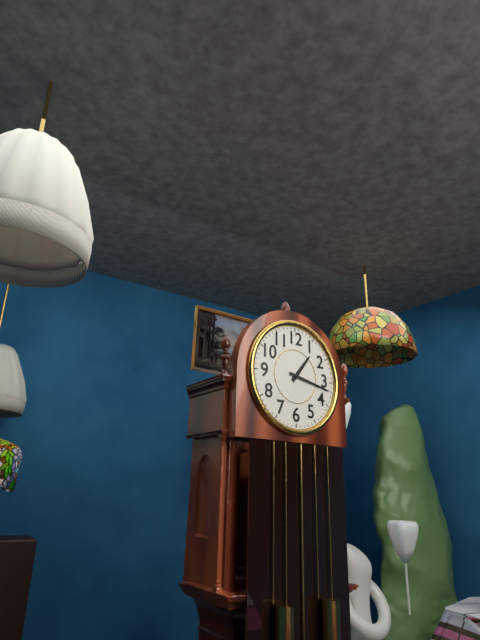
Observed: 1,17
